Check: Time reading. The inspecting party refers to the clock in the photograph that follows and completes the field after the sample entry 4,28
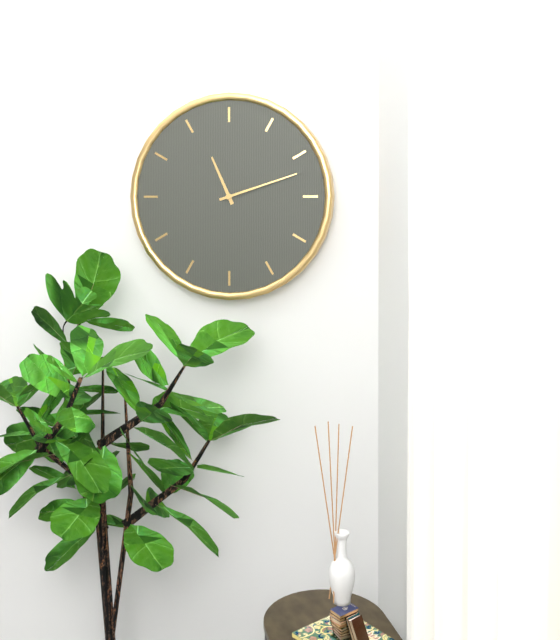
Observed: 11,12
